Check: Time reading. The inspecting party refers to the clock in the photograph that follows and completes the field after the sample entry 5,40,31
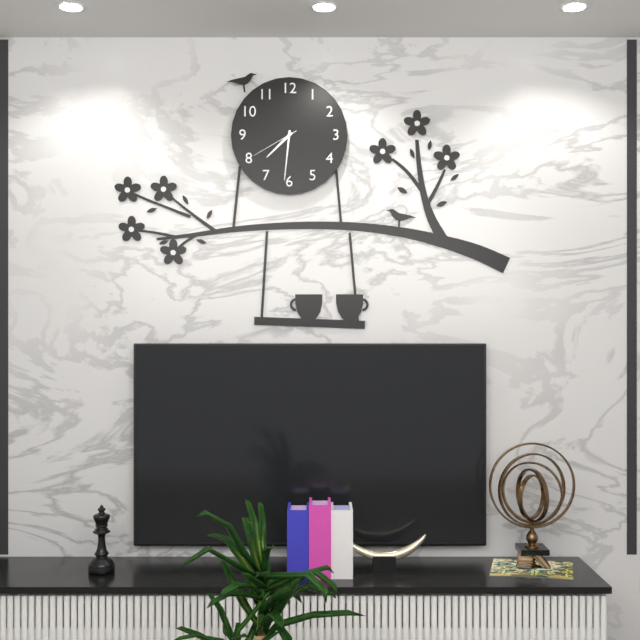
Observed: 7,31,40
